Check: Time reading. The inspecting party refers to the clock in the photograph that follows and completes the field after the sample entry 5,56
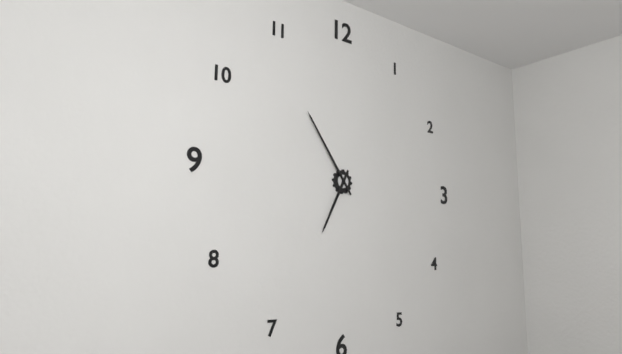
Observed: 6,54
